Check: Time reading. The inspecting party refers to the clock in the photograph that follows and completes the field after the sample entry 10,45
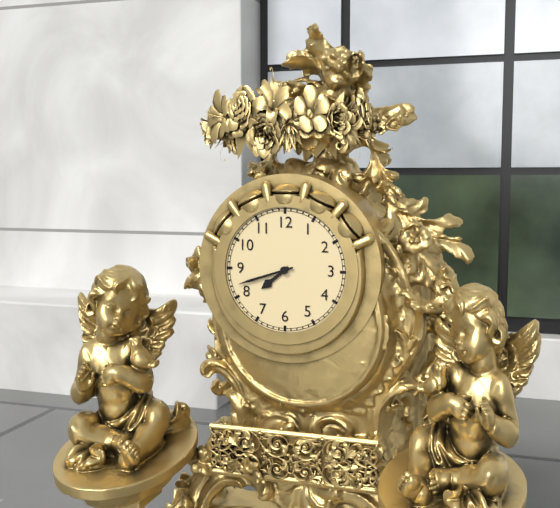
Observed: 7,42
